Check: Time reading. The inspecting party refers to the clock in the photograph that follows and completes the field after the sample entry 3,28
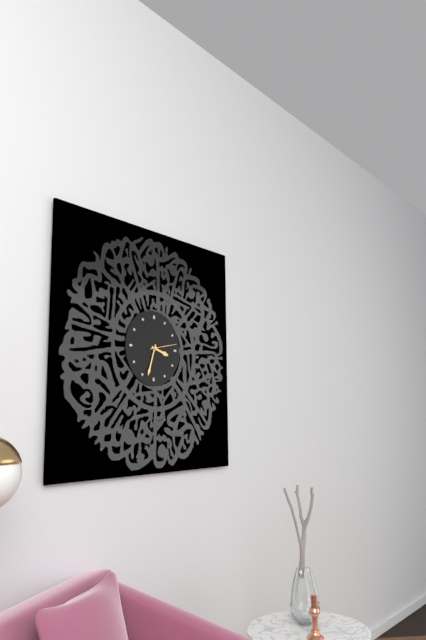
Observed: 3,33
